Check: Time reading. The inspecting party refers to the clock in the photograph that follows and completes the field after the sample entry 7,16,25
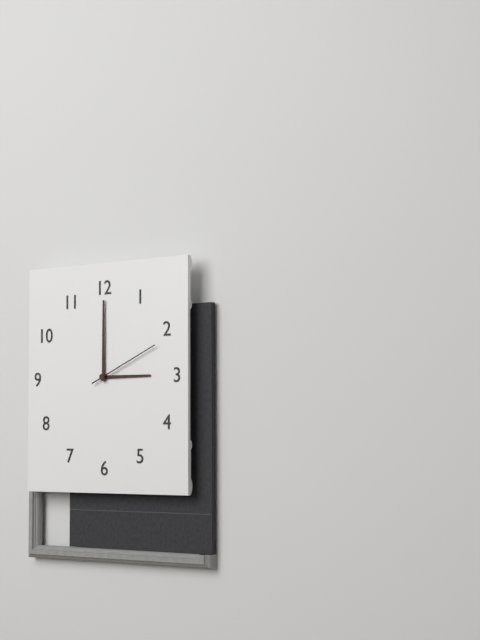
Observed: 3,00,11
